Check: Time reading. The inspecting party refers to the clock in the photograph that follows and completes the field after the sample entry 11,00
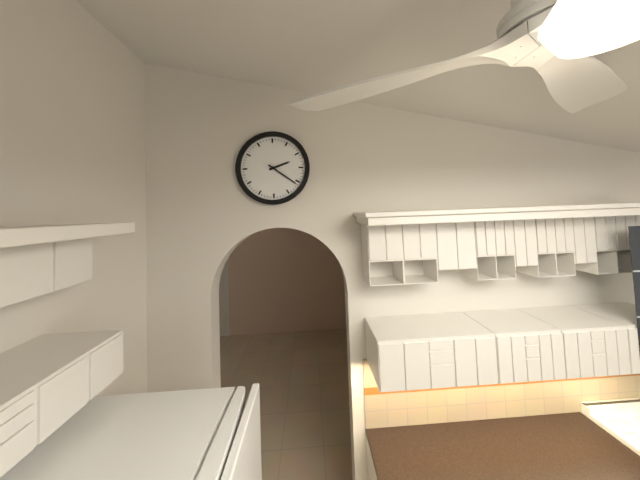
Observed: 2,21
